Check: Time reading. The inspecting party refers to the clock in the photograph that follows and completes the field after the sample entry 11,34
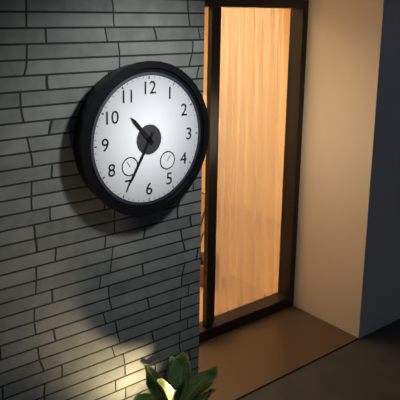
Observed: 10,35
